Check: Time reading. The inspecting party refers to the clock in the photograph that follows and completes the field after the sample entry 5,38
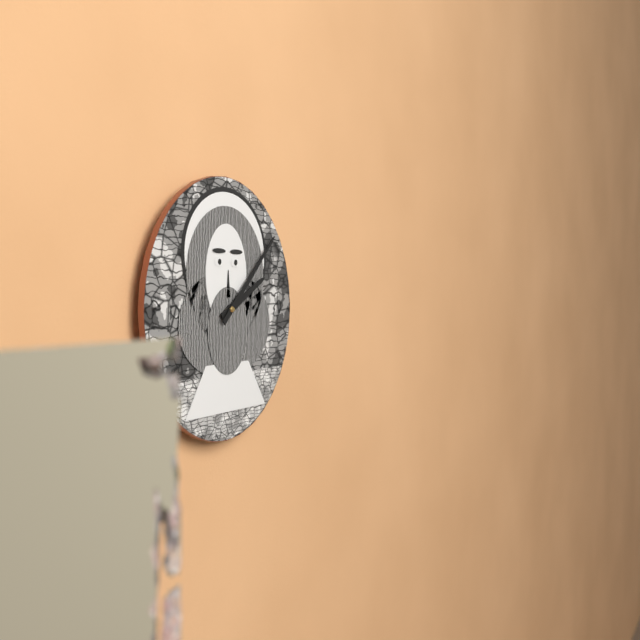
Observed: 2,08
